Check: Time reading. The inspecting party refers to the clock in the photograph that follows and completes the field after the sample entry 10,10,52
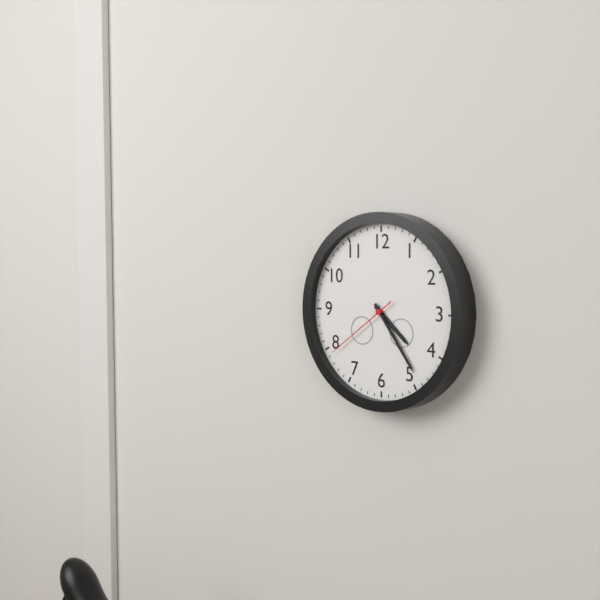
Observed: 4,24,39
